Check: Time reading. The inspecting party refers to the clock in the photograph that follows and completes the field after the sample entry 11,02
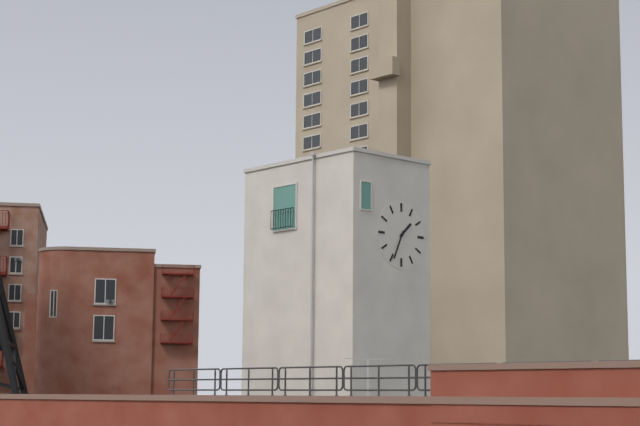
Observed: 1,34
